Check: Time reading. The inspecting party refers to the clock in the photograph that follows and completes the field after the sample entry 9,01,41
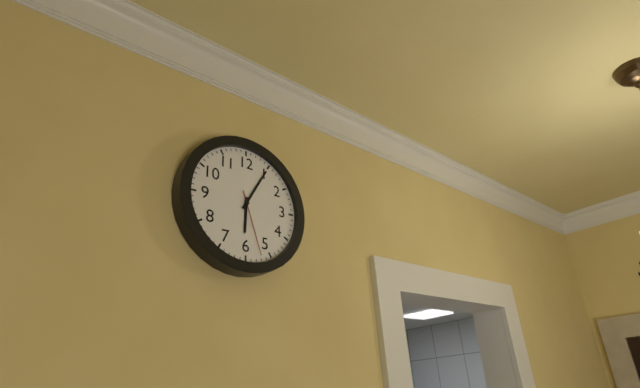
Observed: 6,05,27
